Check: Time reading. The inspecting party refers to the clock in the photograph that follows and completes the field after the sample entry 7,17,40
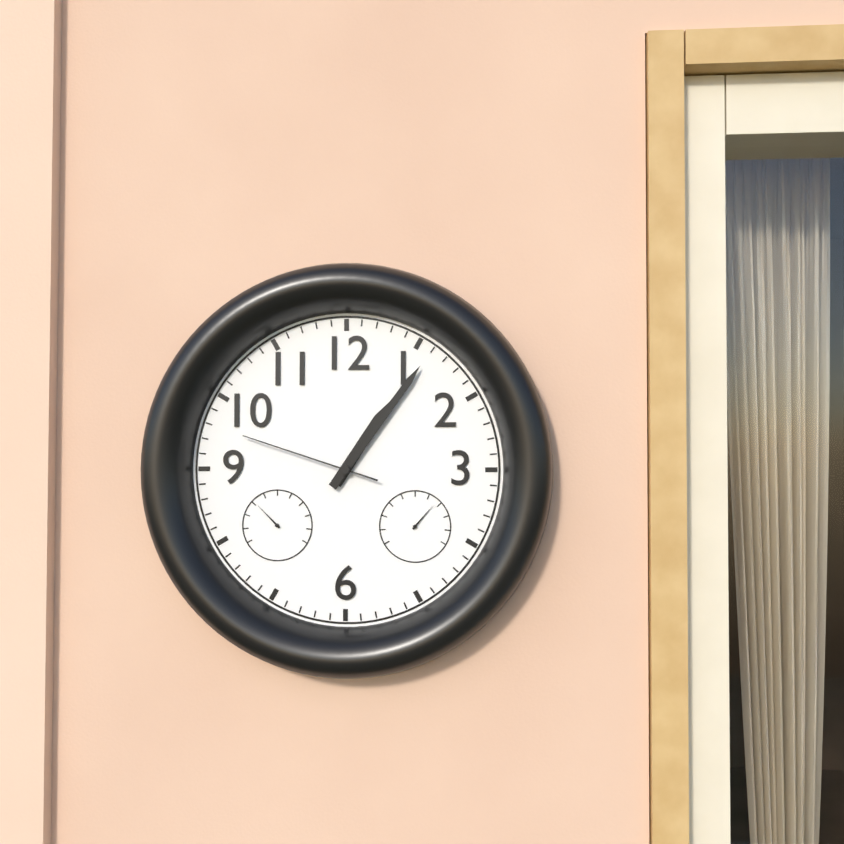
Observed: 1,06,48
